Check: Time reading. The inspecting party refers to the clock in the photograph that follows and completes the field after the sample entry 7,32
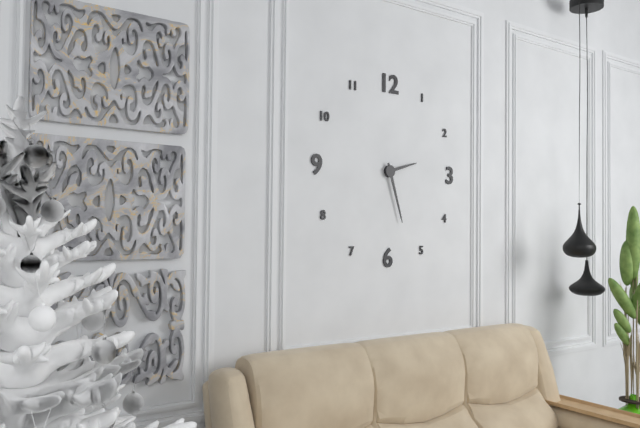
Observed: 2,27
